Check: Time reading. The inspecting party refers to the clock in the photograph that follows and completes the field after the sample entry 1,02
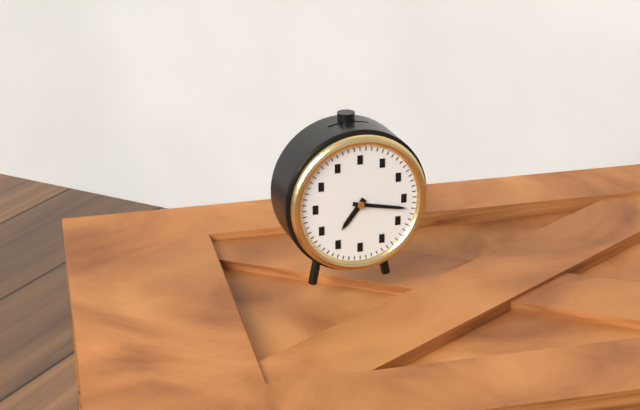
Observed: 7,17
